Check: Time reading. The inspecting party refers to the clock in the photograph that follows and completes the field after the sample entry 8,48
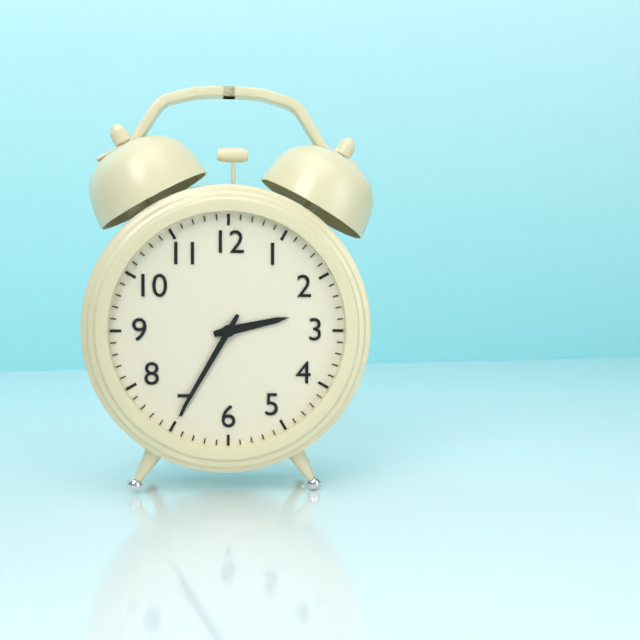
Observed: 2,35
